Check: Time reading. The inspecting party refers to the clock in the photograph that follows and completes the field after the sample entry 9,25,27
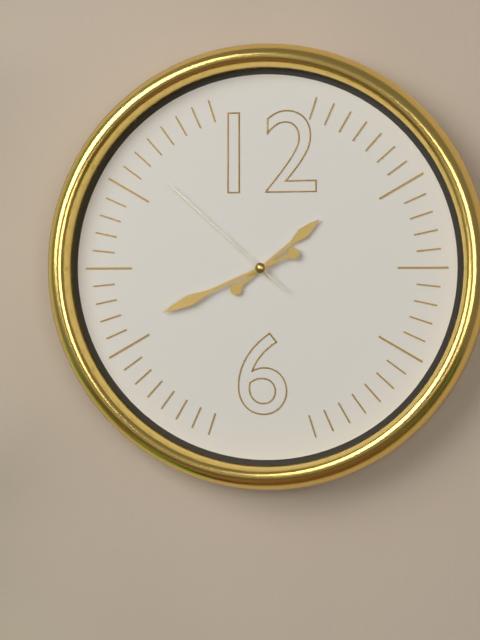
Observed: 1,41,52
